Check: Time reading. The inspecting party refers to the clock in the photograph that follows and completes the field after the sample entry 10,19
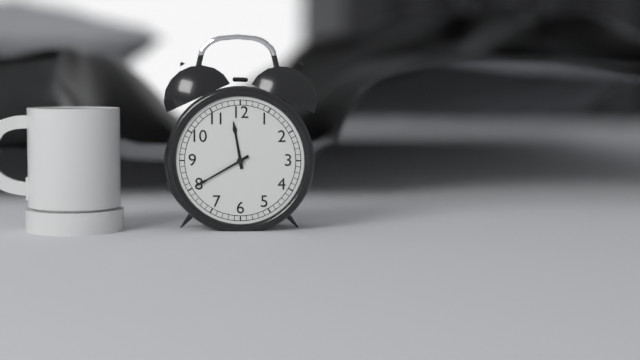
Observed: 11,40
